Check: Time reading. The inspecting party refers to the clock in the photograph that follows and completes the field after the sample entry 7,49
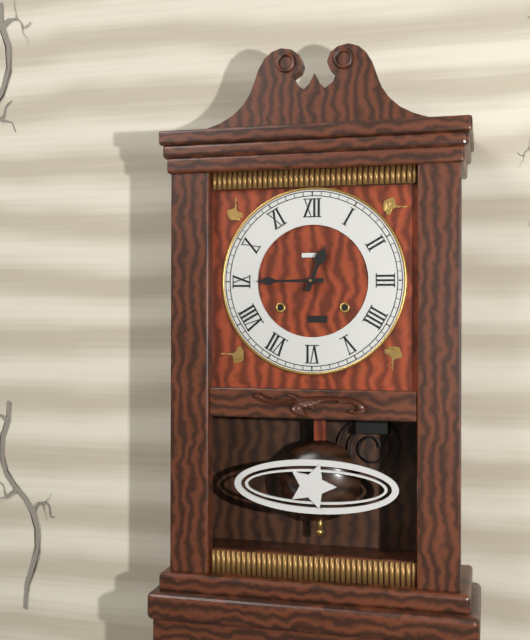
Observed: 12,45
